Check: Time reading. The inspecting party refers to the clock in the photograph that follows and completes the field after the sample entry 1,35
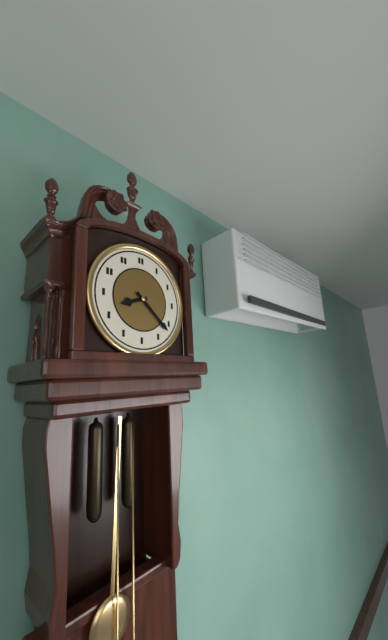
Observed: 8,22
